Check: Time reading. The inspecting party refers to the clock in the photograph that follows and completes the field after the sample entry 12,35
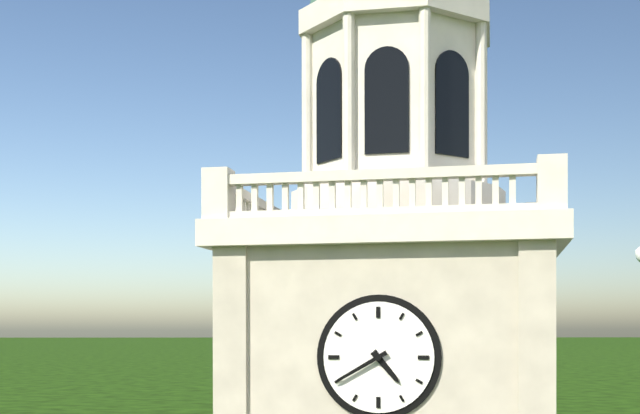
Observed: 4,40
